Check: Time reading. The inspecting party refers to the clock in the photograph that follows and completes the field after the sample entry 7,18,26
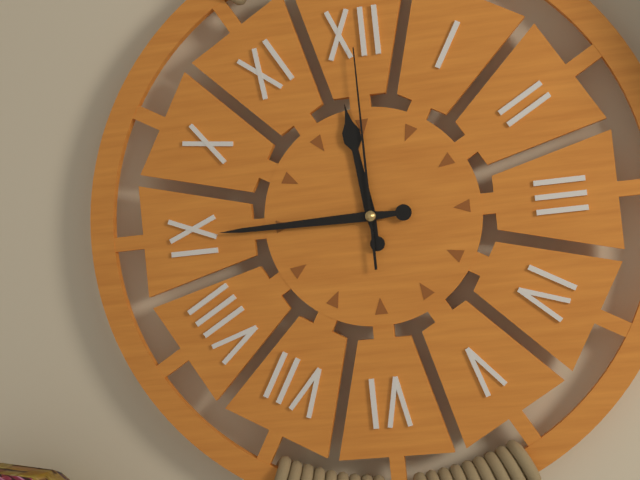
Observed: 11,45,00
